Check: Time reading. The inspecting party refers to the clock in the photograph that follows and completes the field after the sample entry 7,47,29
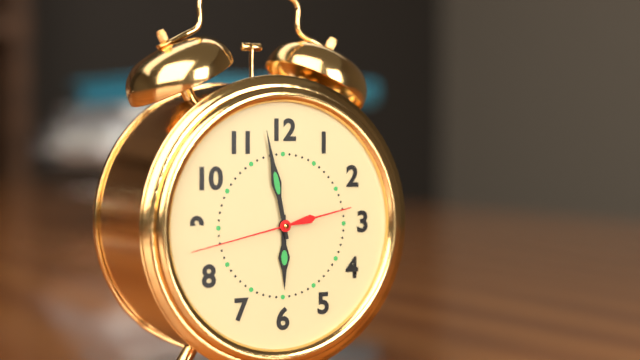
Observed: 5,58,43
